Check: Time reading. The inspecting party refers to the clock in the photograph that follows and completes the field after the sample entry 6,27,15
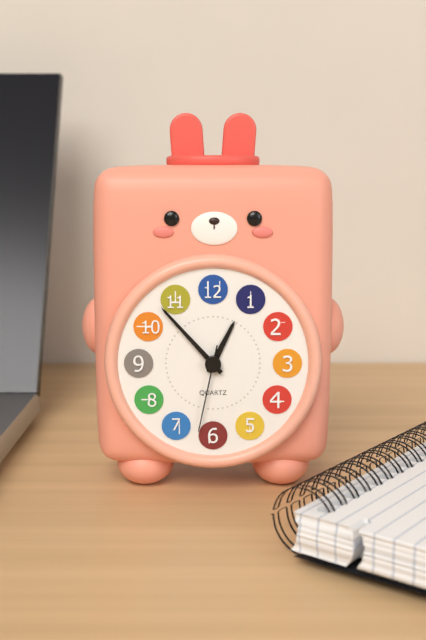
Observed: 12,53,32
